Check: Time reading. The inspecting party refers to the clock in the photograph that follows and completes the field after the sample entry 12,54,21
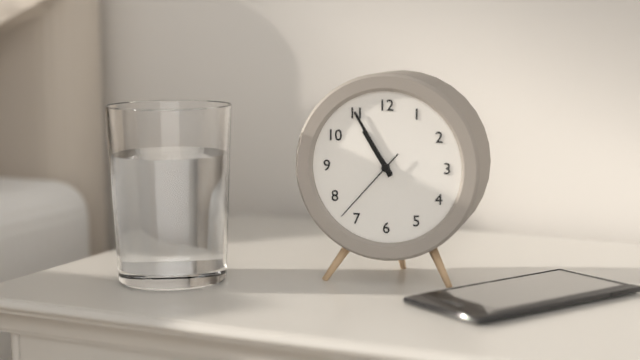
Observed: 10,55,37
